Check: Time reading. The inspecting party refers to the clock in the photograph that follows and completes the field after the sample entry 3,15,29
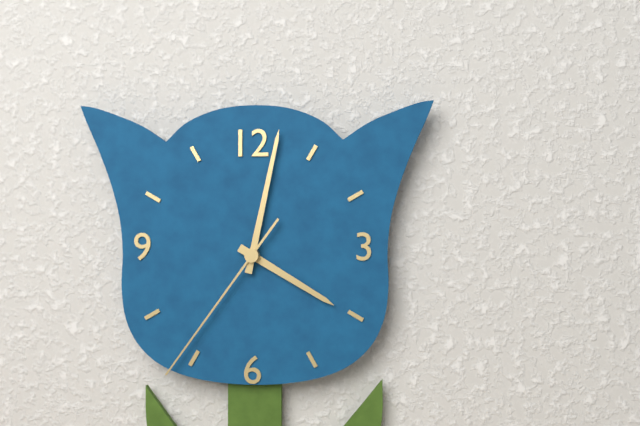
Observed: 4,02,36
